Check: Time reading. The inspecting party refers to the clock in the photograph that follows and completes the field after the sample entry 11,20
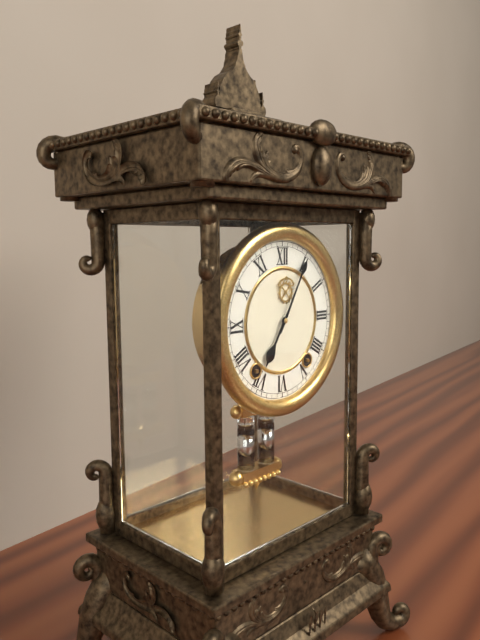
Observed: 7,05
